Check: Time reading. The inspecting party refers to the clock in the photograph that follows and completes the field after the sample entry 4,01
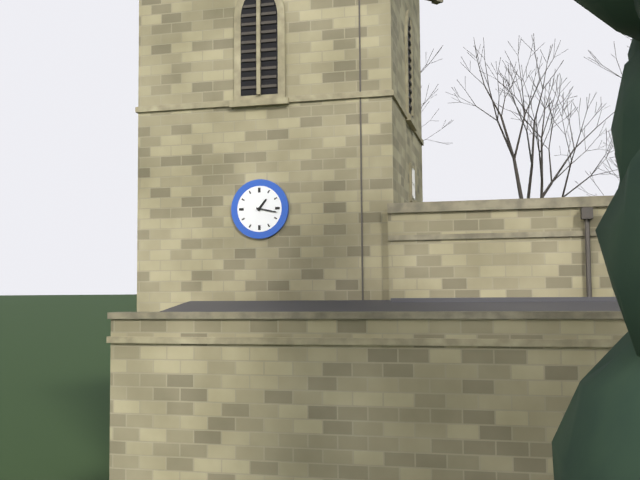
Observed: 1,17
